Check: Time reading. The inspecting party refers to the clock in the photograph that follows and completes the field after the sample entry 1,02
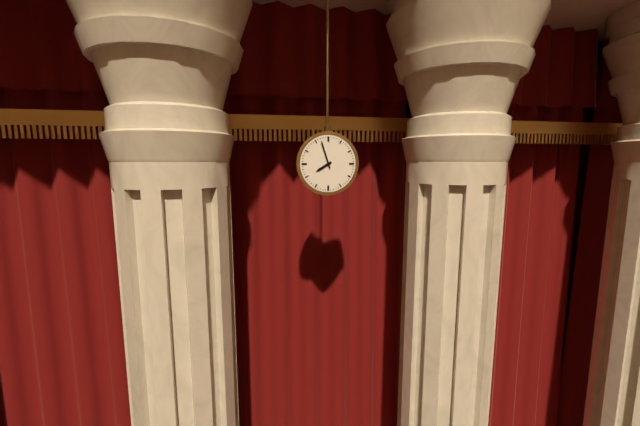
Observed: 7,57
